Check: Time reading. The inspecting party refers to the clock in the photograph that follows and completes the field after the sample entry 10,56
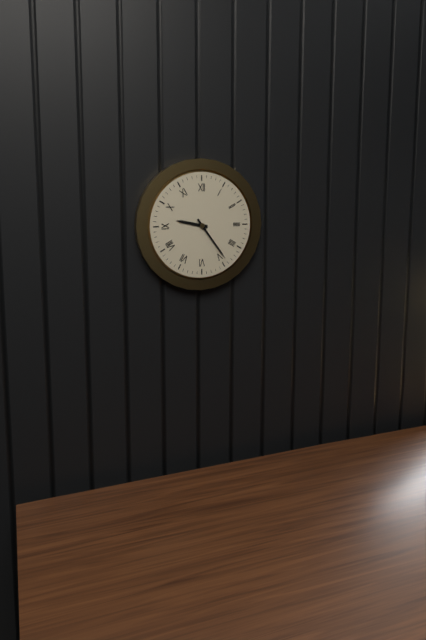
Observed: 9,24
